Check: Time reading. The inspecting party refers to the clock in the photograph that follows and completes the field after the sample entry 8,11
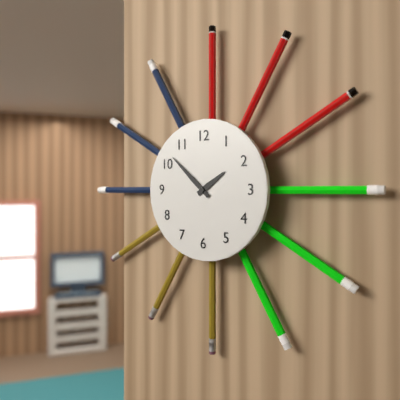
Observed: 1,52
